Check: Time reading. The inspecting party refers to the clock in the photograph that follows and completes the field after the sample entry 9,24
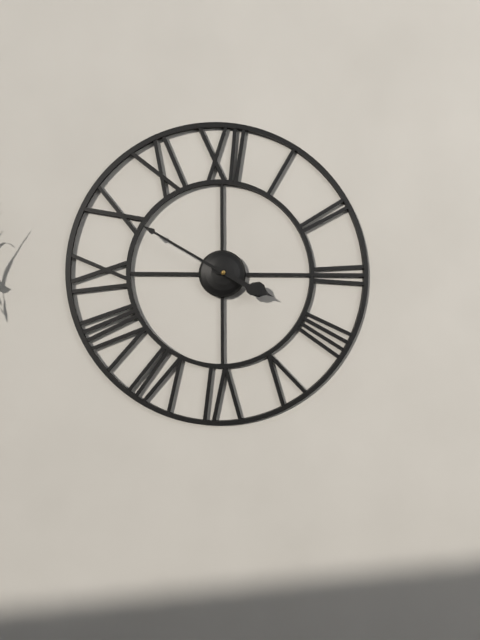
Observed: 3,50
